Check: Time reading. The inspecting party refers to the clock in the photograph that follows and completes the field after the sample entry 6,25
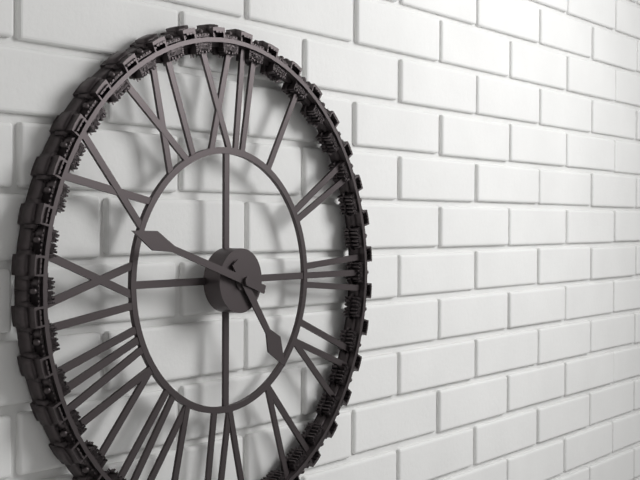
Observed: 4,48
